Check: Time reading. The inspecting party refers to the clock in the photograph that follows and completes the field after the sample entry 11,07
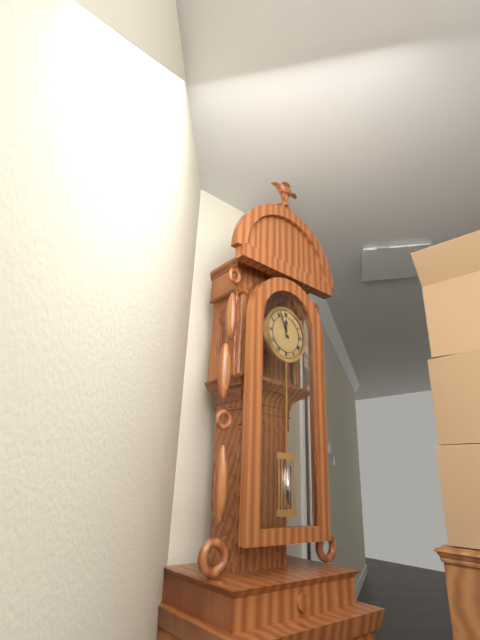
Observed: 11,56
